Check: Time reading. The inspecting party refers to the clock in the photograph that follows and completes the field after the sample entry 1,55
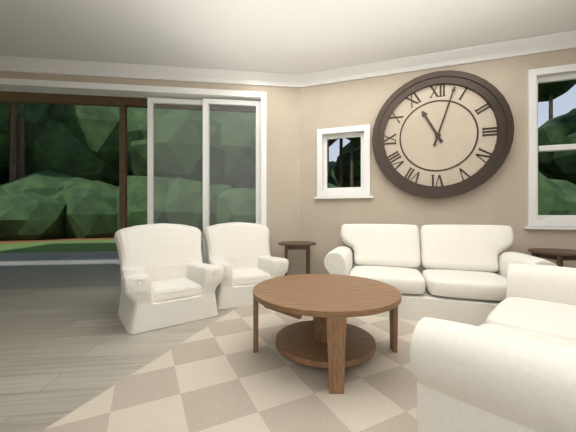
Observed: 11,03
